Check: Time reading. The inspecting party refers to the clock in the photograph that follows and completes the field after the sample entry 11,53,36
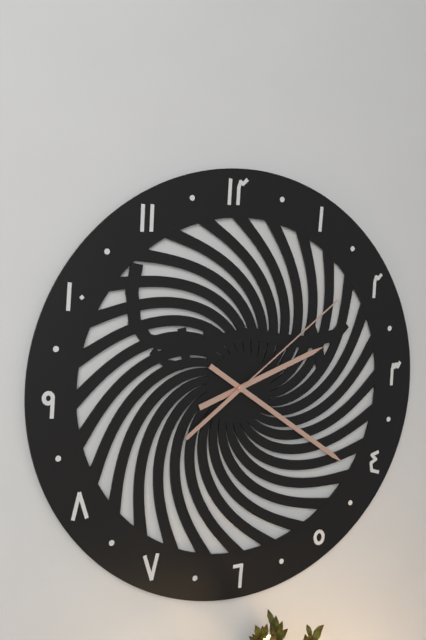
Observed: 2,21,09
